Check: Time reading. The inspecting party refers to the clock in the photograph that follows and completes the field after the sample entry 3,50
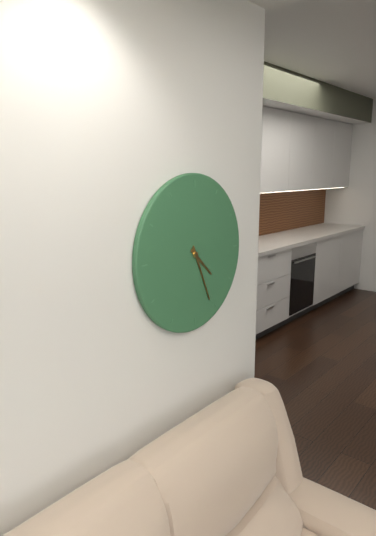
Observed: 4,26
